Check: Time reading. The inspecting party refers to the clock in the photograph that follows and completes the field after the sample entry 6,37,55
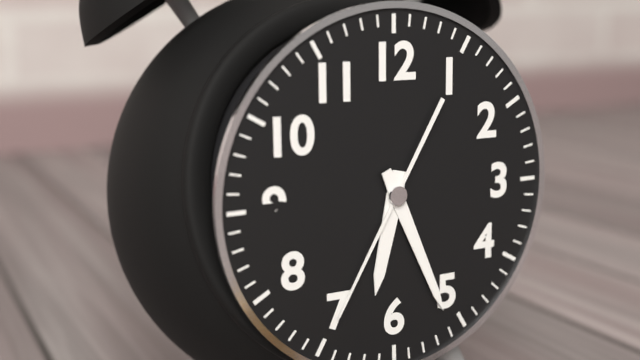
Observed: 6,26,35
